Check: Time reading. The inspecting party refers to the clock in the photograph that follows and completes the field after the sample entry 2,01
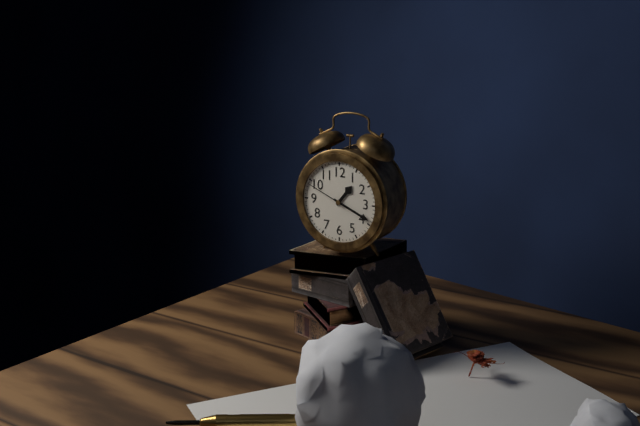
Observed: 1,19
